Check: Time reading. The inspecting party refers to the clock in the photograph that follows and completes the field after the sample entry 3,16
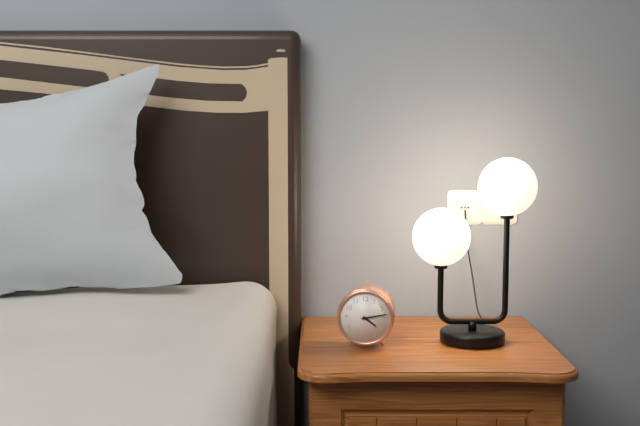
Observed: 4,13
